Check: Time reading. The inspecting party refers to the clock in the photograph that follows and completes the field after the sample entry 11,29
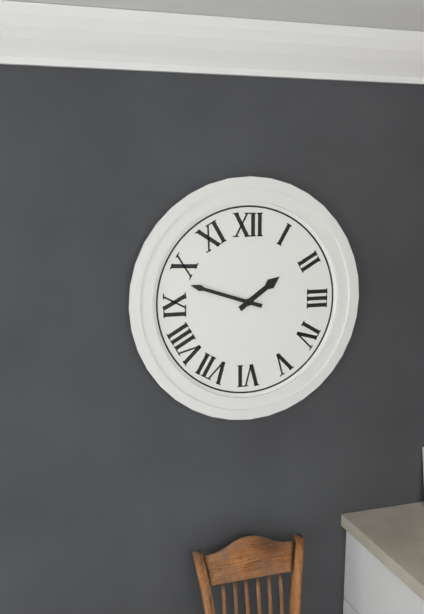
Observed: 1,48
